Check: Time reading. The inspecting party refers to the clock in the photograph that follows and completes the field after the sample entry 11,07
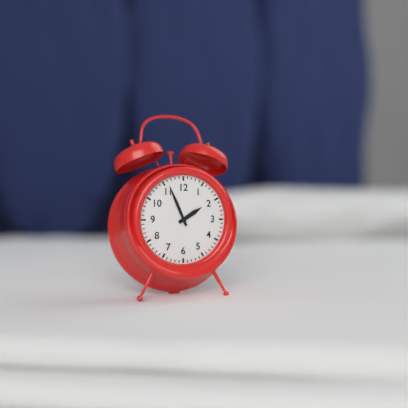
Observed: 1,56
